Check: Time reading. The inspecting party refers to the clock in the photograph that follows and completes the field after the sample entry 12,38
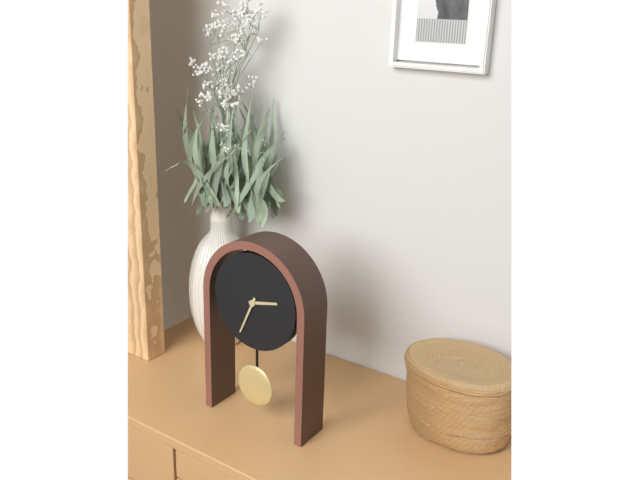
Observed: 2,34
